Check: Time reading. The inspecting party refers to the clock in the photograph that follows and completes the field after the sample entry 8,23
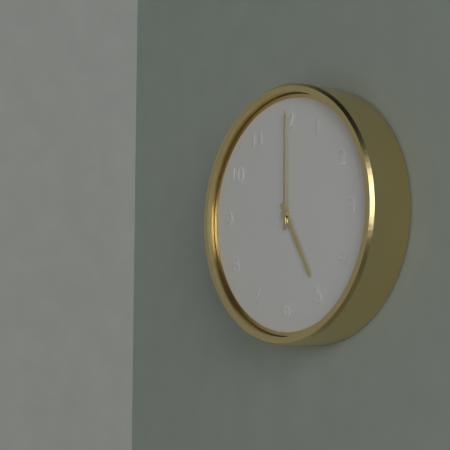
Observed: 5,00
